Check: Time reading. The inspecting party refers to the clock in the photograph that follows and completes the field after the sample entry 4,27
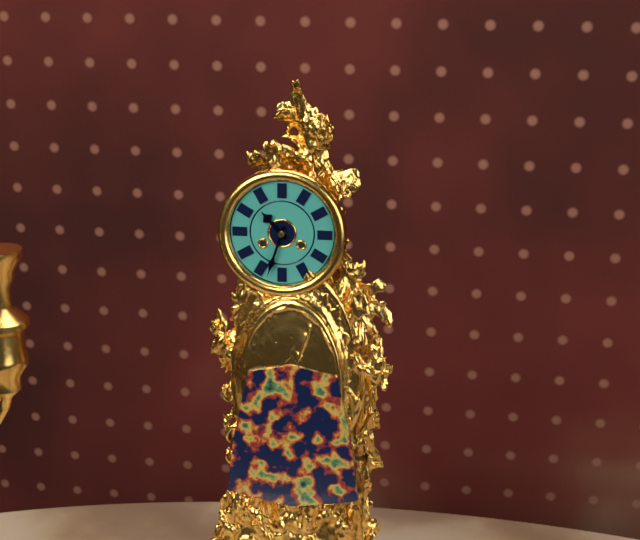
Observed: 10,33
